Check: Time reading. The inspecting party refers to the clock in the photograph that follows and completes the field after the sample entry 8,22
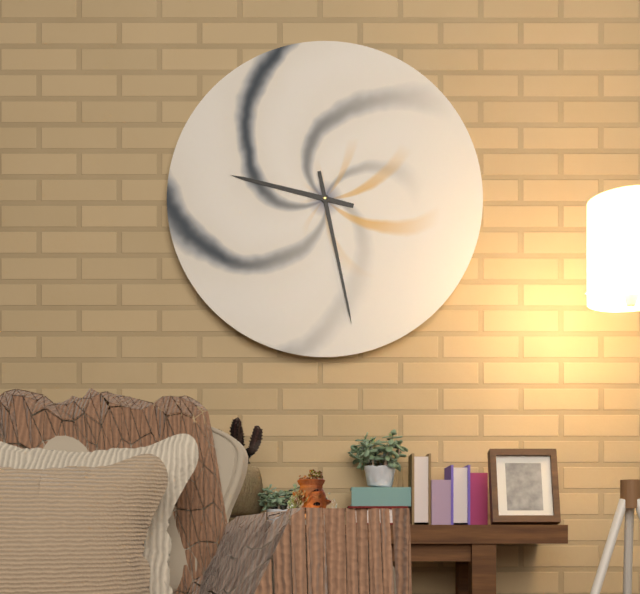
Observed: 9,28
